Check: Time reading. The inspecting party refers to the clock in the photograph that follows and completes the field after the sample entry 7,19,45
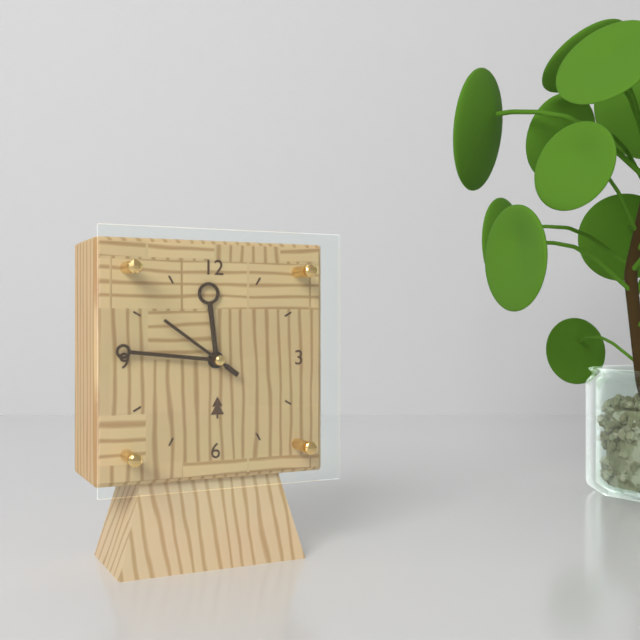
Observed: 11,46,51
